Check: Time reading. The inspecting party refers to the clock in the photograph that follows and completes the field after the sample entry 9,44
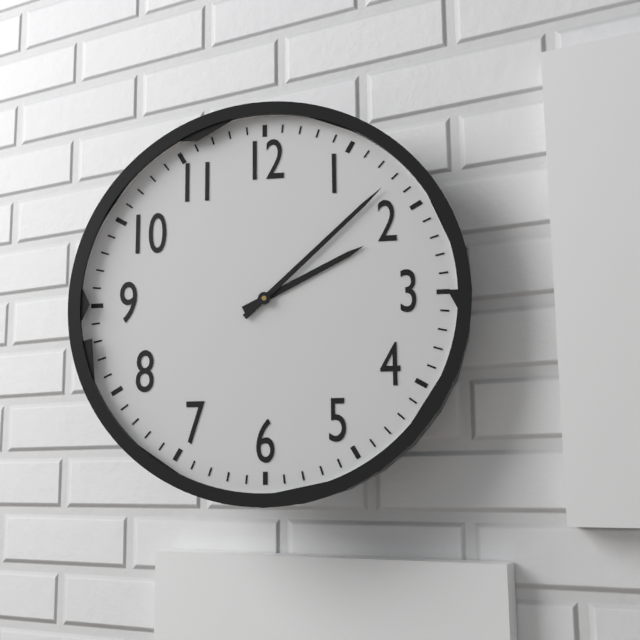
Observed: 2,08
